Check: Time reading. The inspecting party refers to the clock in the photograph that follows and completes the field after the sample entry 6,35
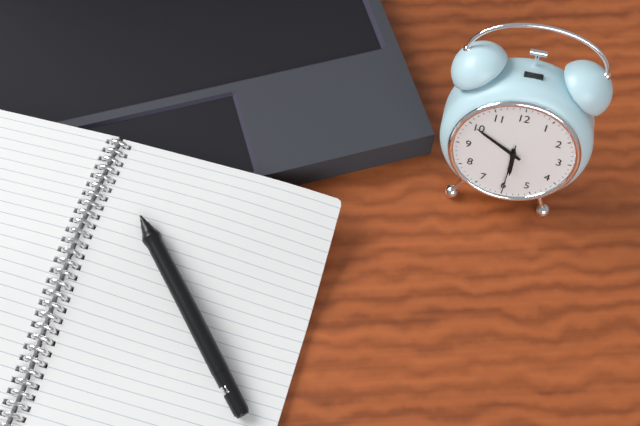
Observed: 5,50
